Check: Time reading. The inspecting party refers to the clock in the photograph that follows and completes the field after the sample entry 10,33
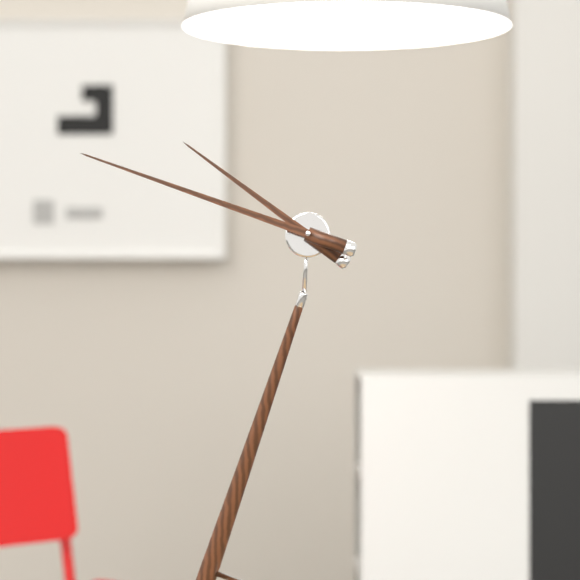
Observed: 9,46
